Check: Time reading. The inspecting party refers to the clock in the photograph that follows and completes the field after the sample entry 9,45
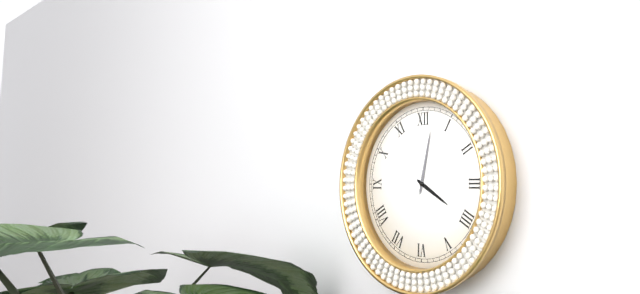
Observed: 4,02
